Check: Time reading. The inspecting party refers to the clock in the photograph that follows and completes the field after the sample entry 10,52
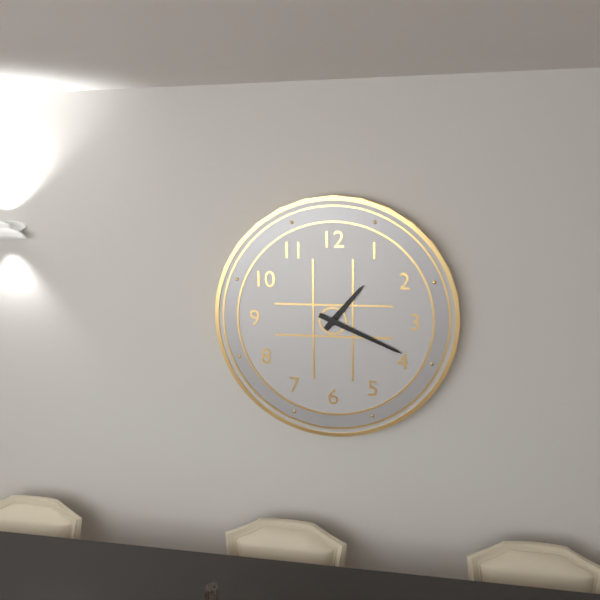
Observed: 1,19
